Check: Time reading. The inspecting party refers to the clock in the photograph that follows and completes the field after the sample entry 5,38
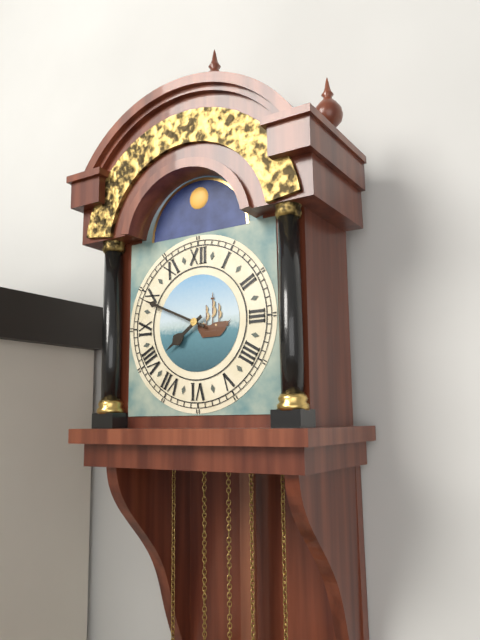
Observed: 7,49
